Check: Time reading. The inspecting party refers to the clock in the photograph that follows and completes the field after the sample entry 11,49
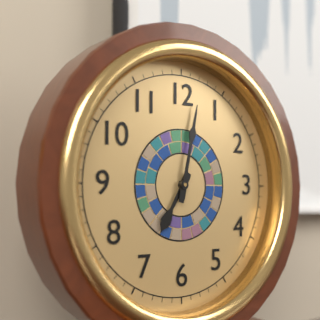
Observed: 7,02
